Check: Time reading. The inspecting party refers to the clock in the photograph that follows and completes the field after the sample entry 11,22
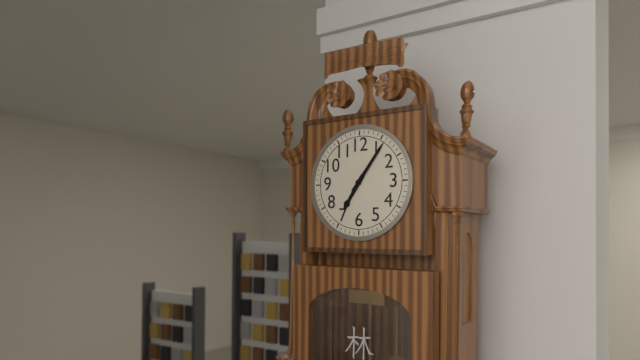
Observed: 7,06
